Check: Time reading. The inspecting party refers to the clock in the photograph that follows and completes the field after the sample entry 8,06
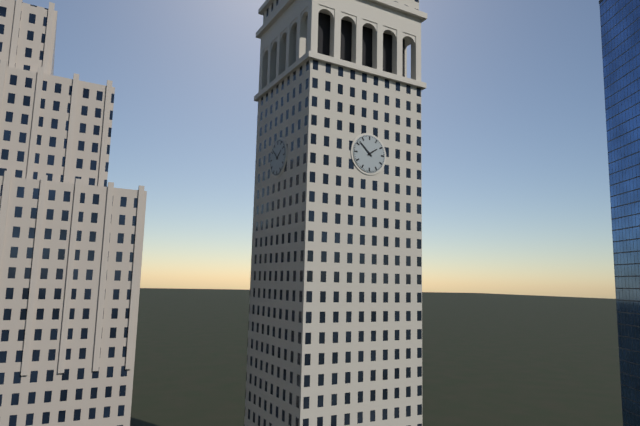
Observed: 1,52
